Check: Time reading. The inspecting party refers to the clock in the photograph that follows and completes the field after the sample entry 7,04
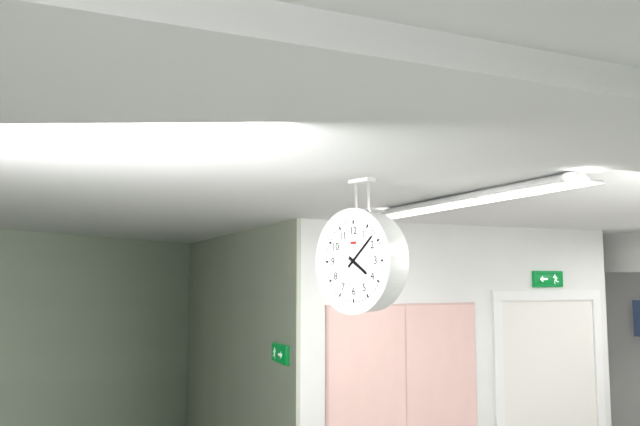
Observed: 4,08
